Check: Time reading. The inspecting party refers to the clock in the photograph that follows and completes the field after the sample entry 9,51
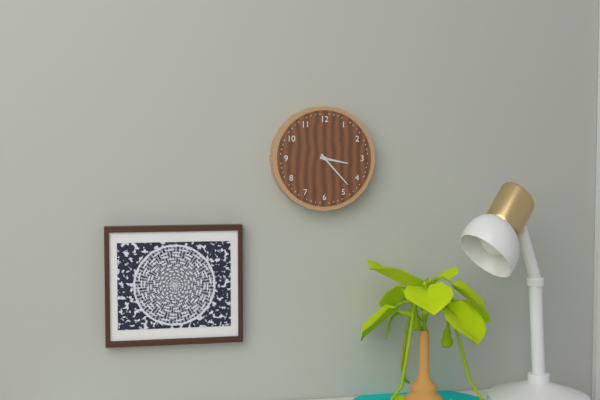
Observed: 3,23
